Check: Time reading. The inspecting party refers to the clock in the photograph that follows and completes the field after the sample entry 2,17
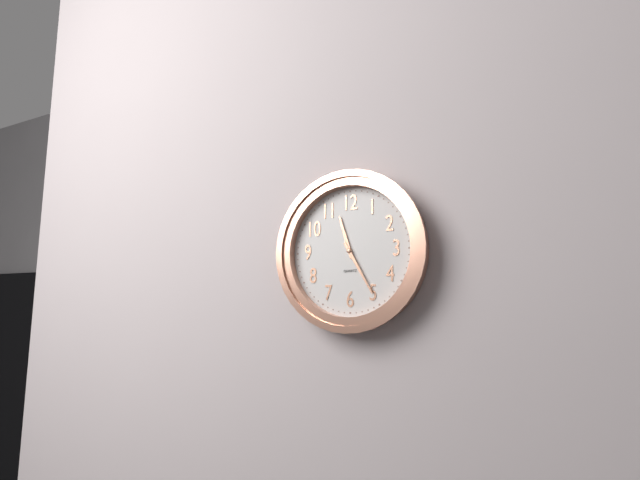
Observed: 11,25
